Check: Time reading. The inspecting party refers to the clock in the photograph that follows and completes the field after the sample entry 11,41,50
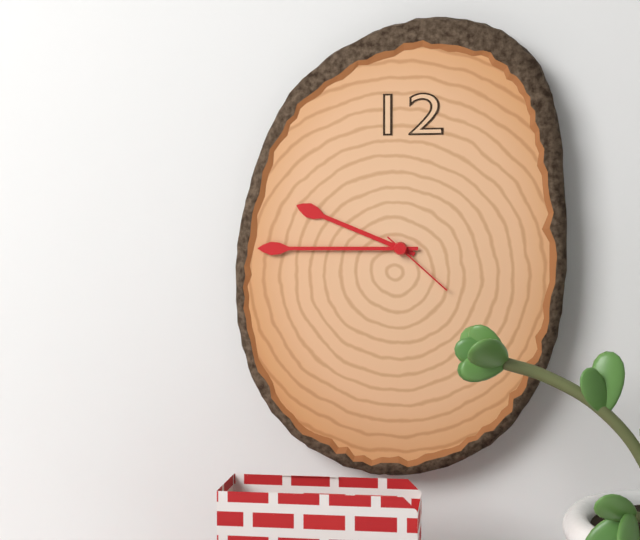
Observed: 9,45,22
